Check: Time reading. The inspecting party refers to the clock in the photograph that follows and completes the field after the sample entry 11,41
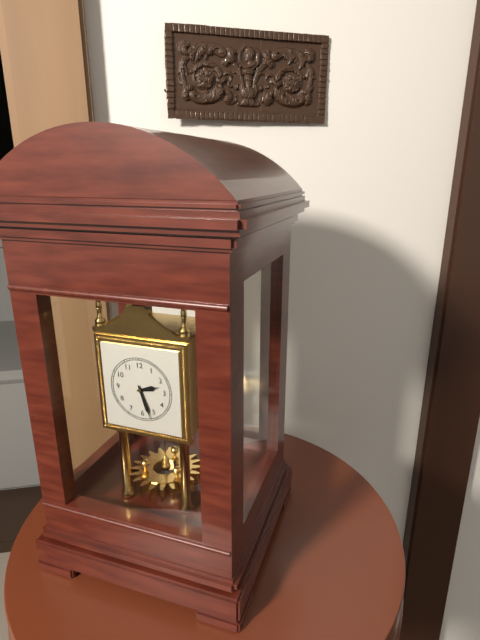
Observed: 2,27
